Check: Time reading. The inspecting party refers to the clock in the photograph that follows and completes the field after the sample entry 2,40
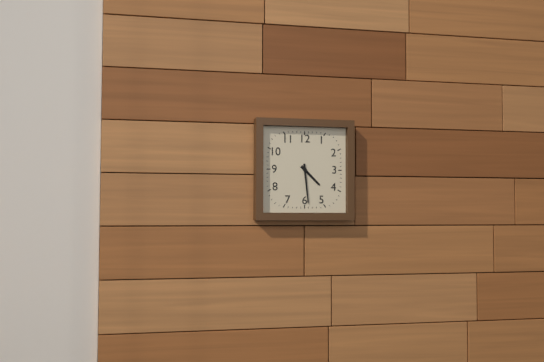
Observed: 4,29
